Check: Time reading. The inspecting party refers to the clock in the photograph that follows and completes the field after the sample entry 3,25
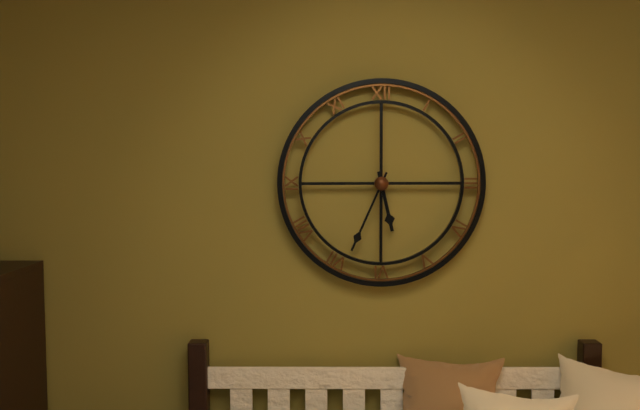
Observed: 5,34
